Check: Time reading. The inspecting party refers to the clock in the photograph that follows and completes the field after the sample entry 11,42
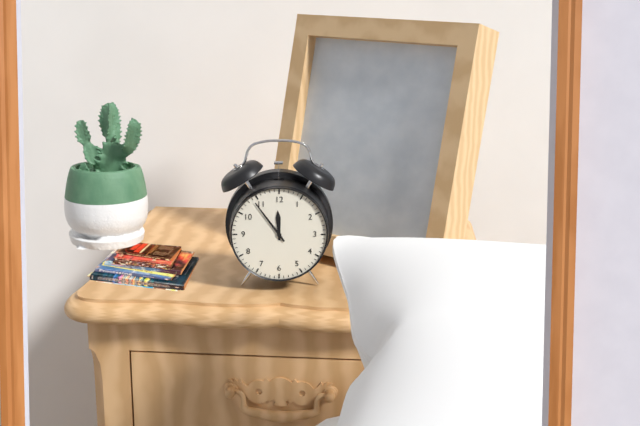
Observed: 11,54
